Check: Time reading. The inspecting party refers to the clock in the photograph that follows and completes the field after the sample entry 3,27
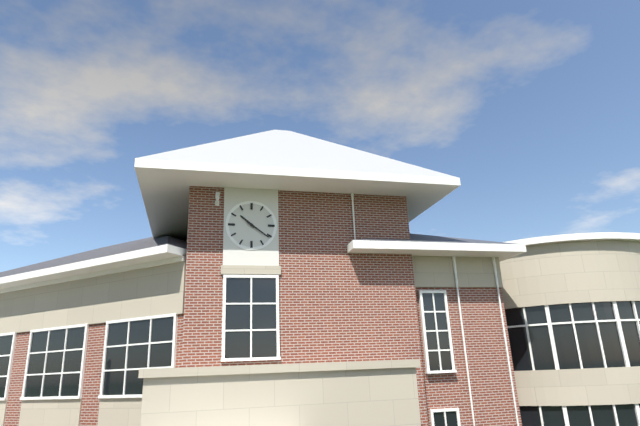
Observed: 10,21
